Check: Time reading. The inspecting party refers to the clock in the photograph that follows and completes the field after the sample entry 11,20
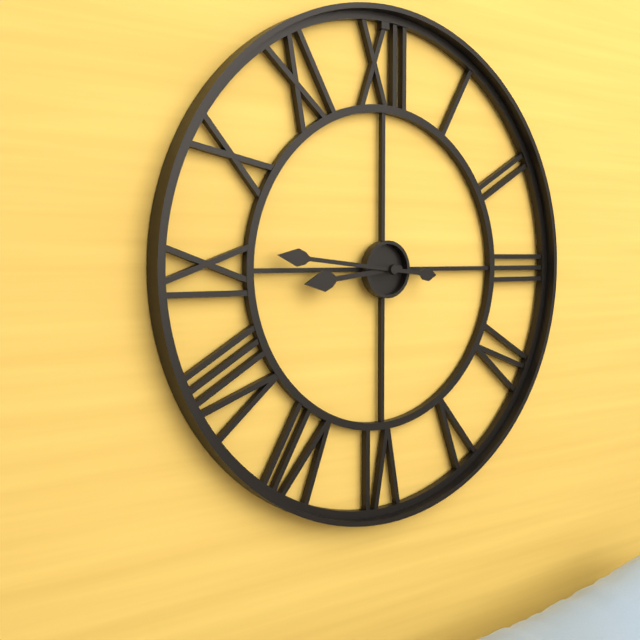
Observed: 8,46
